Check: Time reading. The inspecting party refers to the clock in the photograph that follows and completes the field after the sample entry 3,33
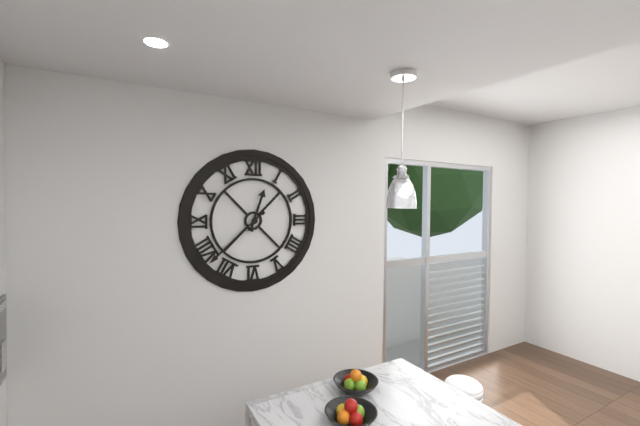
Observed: 12,38
